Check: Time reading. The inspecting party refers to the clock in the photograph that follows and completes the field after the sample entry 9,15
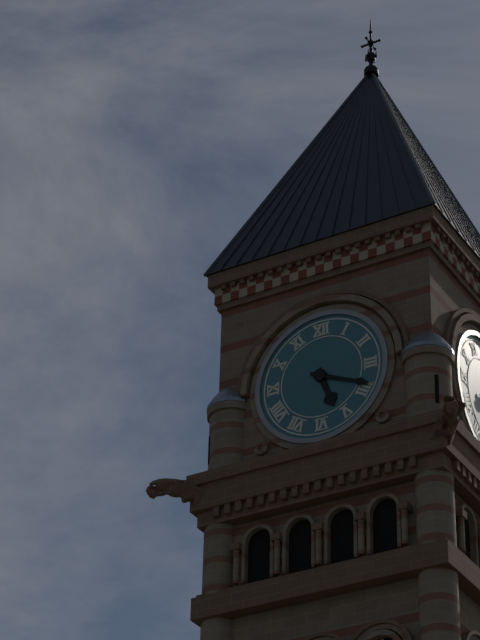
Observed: 5,19
